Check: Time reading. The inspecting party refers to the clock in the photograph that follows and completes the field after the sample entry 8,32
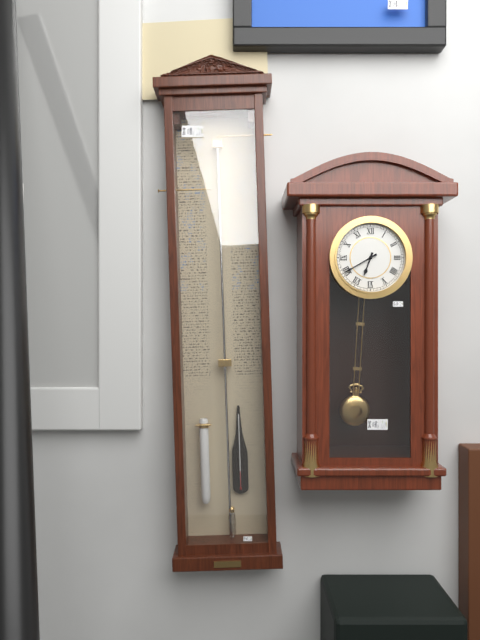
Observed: 6,40
